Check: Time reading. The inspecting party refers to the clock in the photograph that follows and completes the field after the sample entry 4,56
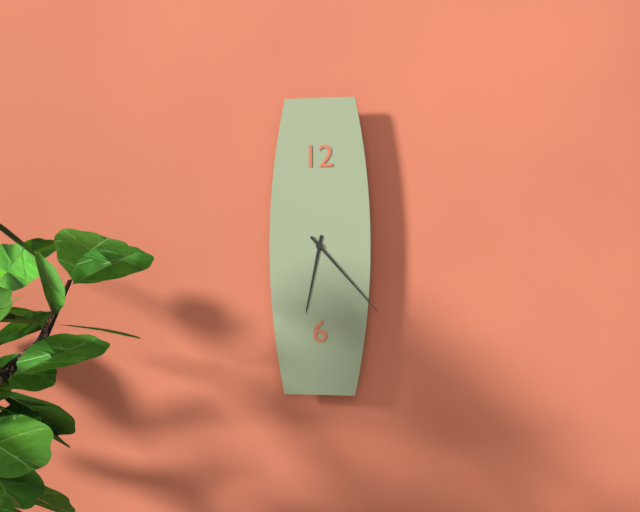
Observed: 6,23
